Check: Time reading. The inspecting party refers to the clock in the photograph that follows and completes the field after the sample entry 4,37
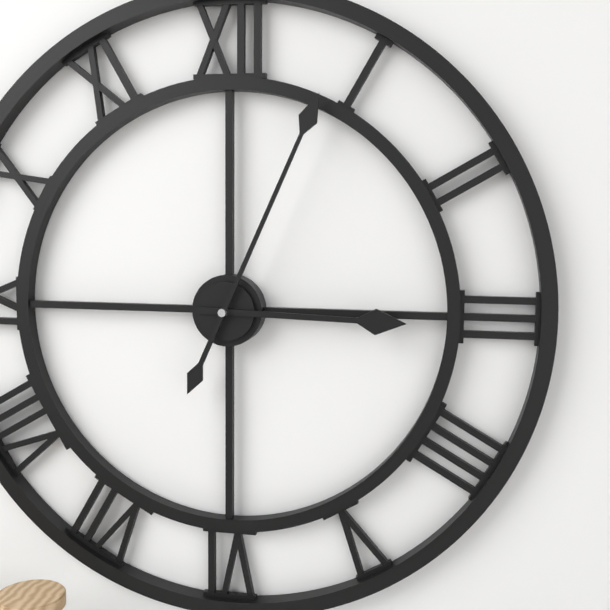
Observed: 3,04
